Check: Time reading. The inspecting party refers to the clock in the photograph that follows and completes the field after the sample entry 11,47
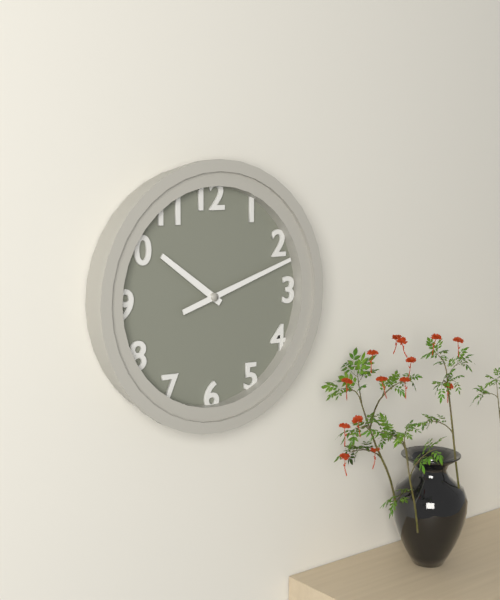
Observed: 10,12
